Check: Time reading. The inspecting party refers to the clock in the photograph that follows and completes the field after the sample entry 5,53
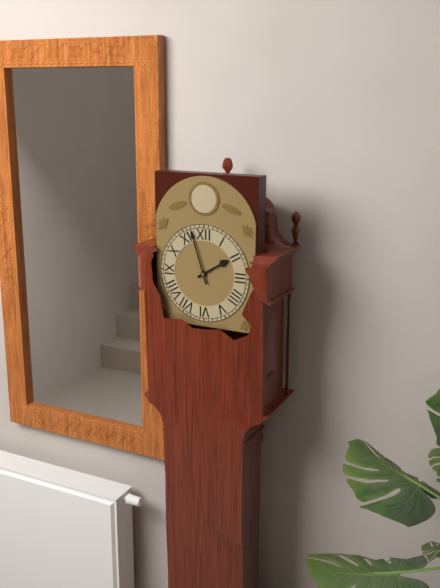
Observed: 1,57
